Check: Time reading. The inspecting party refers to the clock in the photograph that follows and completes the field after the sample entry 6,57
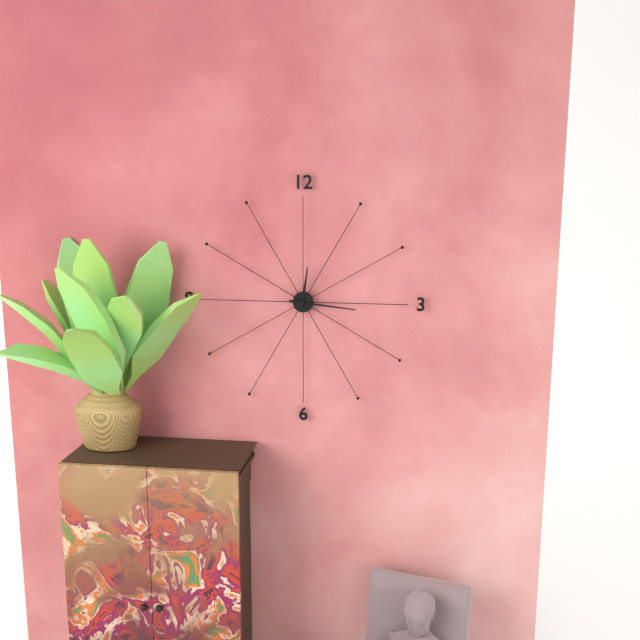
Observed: 12,16
